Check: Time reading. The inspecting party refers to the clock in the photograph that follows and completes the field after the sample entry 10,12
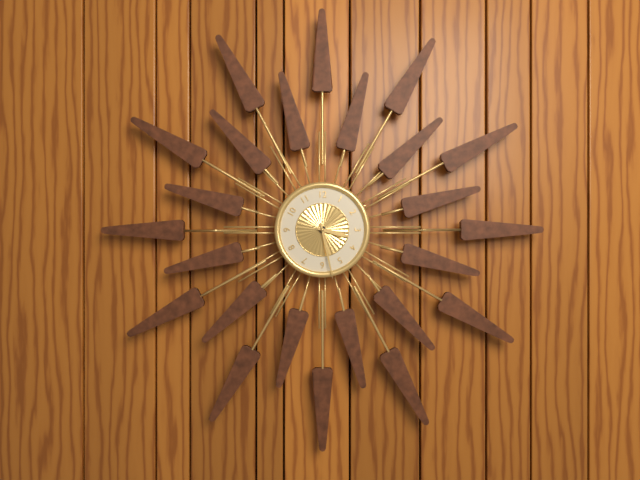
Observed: 3,28
